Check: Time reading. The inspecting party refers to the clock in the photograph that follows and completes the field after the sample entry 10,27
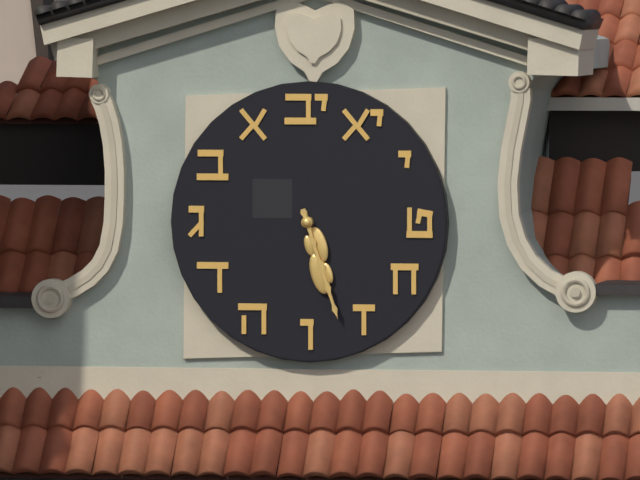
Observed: 5,27
